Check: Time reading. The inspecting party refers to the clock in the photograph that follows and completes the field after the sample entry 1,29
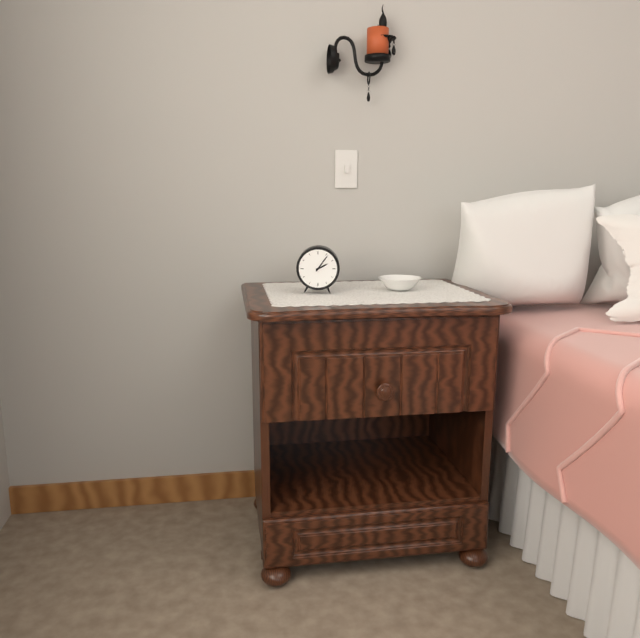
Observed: 2,06
